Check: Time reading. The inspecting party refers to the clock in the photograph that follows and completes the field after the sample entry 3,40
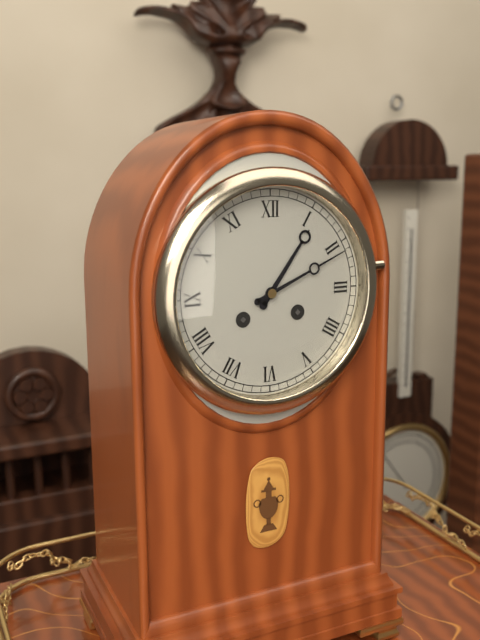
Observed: 1,11
